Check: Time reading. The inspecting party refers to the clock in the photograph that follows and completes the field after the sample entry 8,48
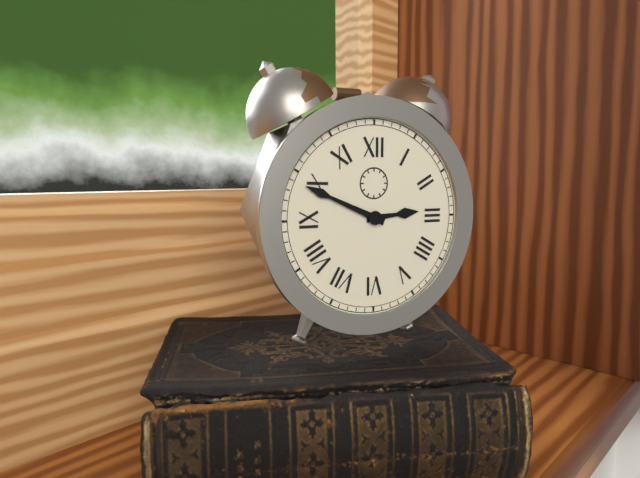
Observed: 2,49
